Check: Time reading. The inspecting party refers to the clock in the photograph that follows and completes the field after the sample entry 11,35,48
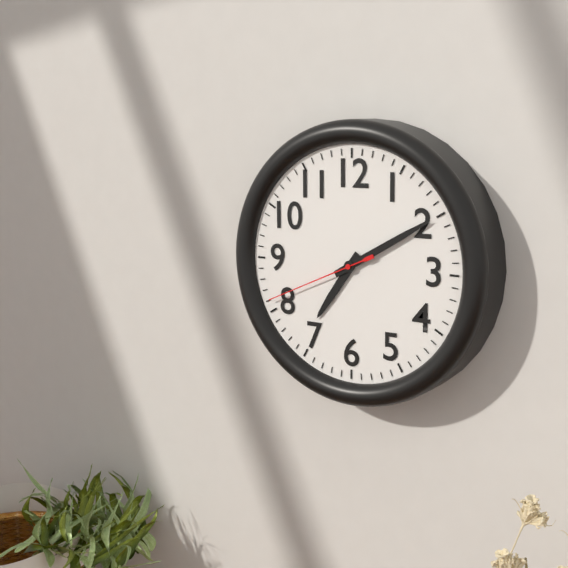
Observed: 7,10,41
